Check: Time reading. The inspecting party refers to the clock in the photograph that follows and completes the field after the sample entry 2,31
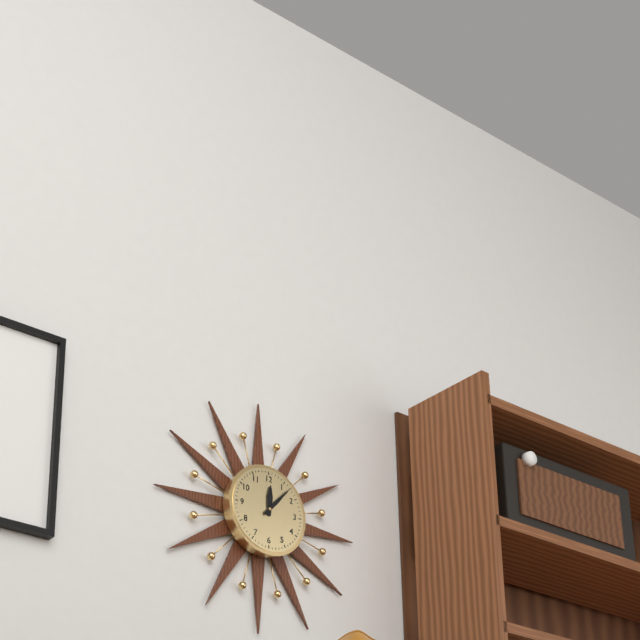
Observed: 12,07
